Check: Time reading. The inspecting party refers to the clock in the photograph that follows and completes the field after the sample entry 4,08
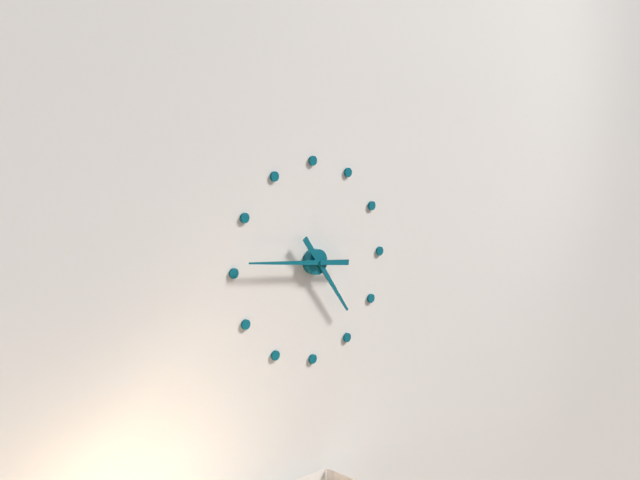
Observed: 4,46
